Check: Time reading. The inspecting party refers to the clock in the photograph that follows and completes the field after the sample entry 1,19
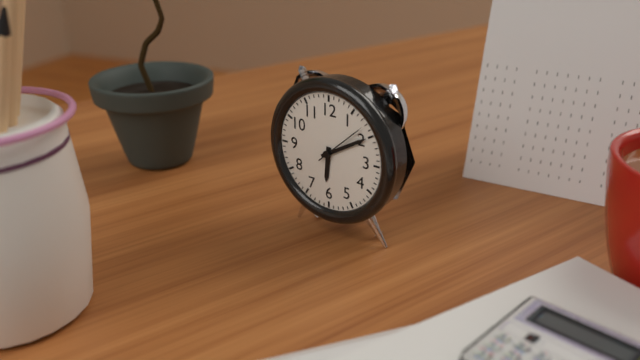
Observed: 6,10
